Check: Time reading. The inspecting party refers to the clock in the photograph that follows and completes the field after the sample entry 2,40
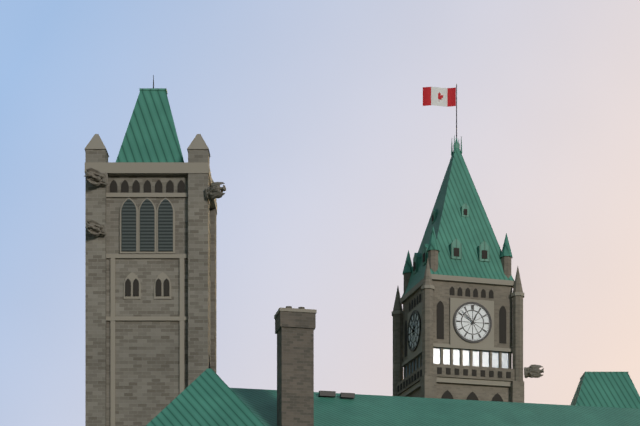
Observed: 12,52
